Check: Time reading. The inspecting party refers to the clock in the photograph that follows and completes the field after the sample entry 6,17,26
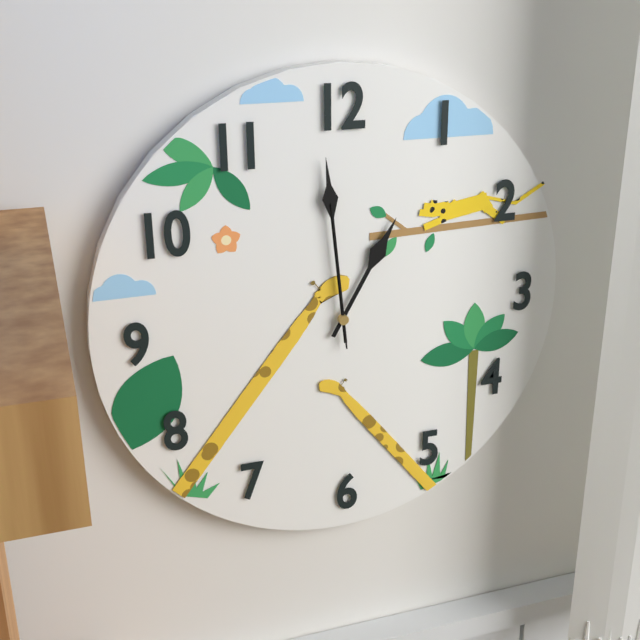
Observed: 12,59,59
